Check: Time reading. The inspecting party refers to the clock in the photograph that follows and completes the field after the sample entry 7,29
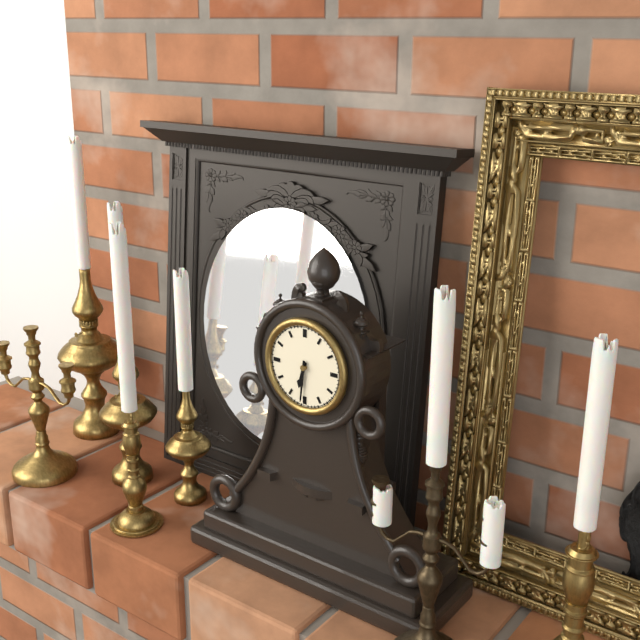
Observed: 6,31
